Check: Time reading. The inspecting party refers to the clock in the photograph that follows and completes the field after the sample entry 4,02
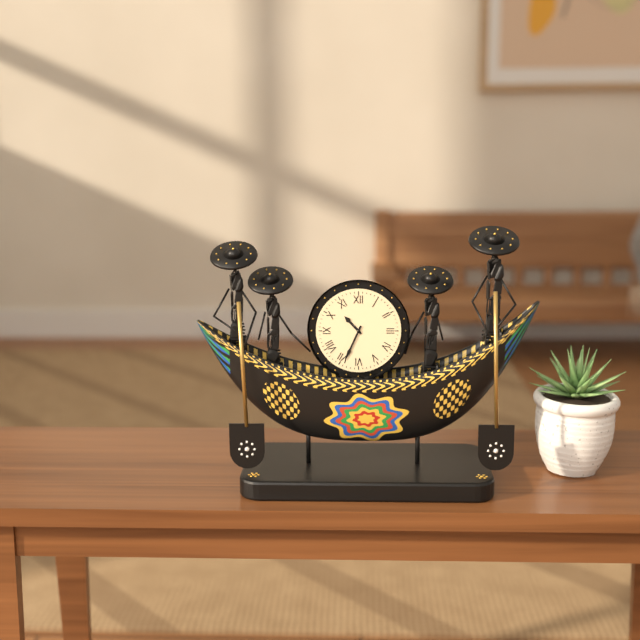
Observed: 10,34
